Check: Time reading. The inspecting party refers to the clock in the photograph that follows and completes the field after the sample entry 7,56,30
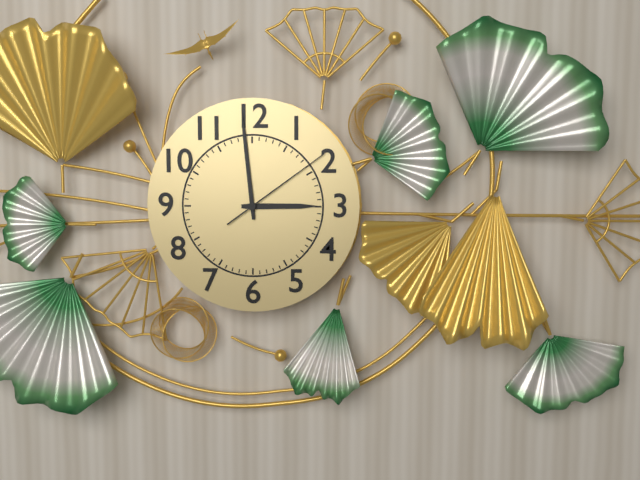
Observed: 2,59,09
